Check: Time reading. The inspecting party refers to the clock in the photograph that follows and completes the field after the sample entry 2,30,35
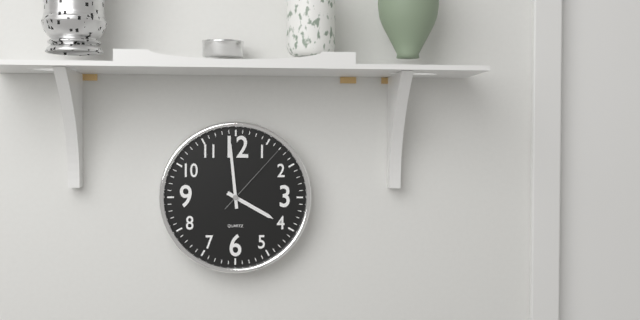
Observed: 3,59,07
